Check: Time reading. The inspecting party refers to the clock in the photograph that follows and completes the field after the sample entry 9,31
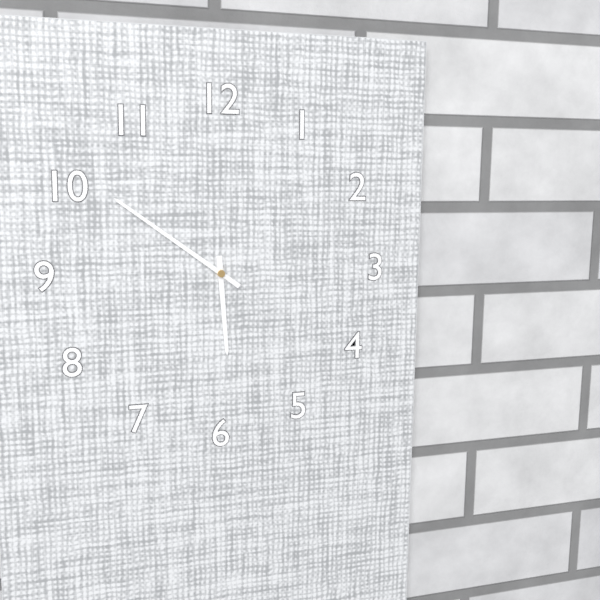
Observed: 5,51
